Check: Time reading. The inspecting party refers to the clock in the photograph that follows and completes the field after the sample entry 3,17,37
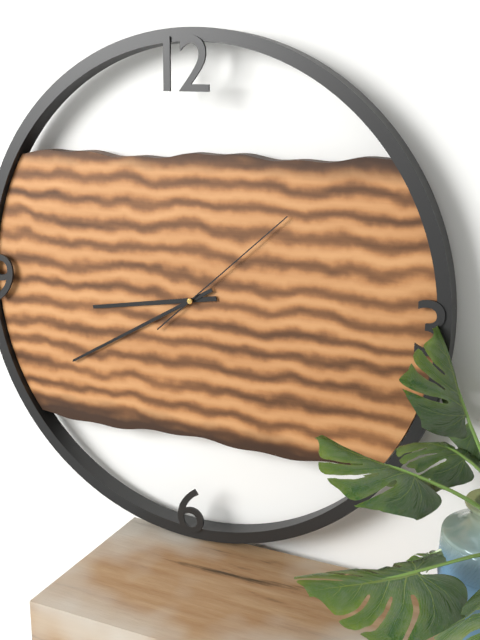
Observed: 8,40,08
